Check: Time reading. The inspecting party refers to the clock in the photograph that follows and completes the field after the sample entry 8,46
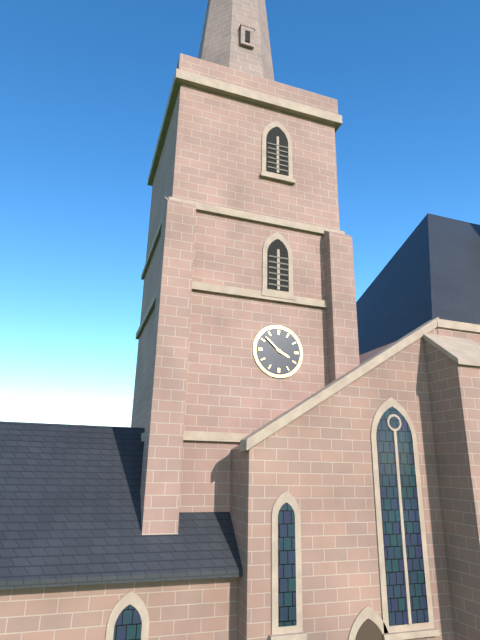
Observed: 3,52
